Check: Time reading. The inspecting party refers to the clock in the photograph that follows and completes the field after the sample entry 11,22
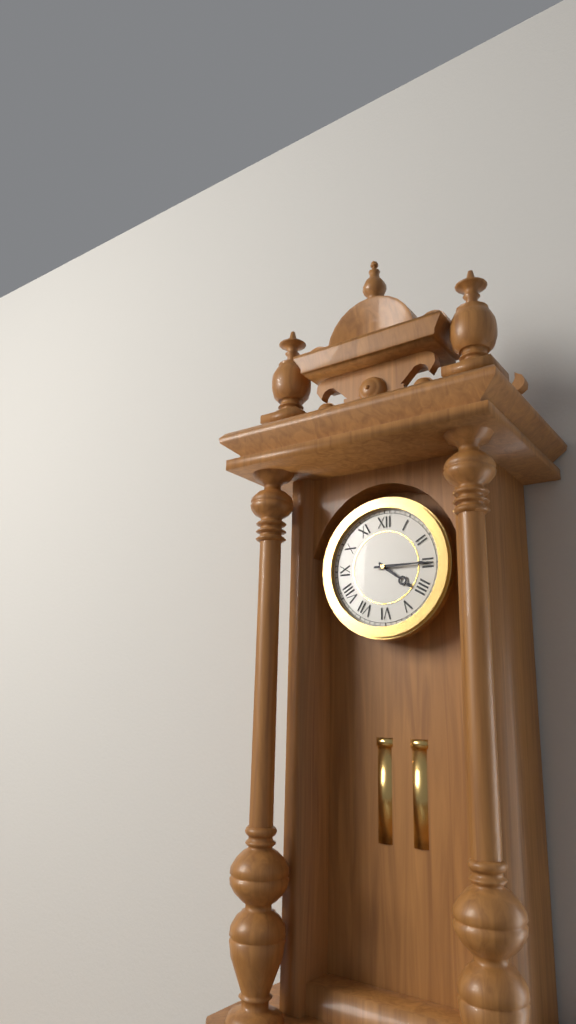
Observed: 4,15
